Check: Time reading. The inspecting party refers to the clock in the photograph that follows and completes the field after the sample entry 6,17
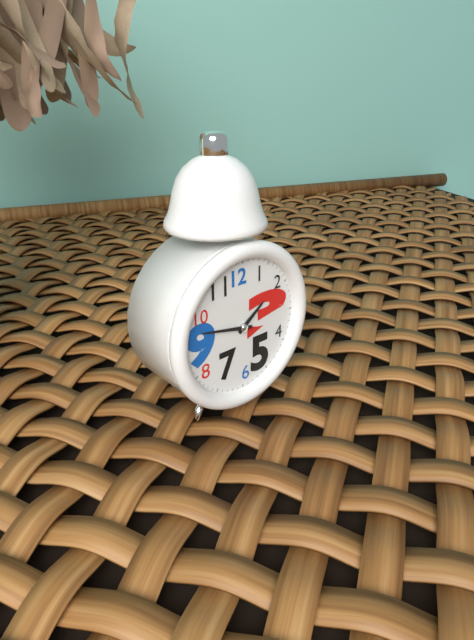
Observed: 1,47
